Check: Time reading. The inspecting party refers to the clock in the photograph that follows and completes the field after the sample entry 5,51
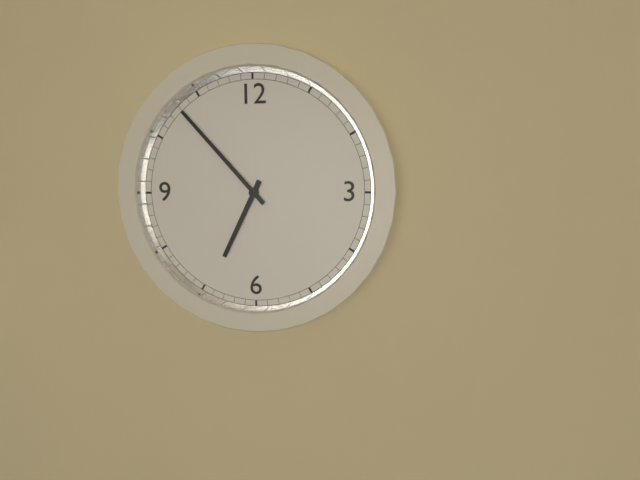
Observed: 6,53
